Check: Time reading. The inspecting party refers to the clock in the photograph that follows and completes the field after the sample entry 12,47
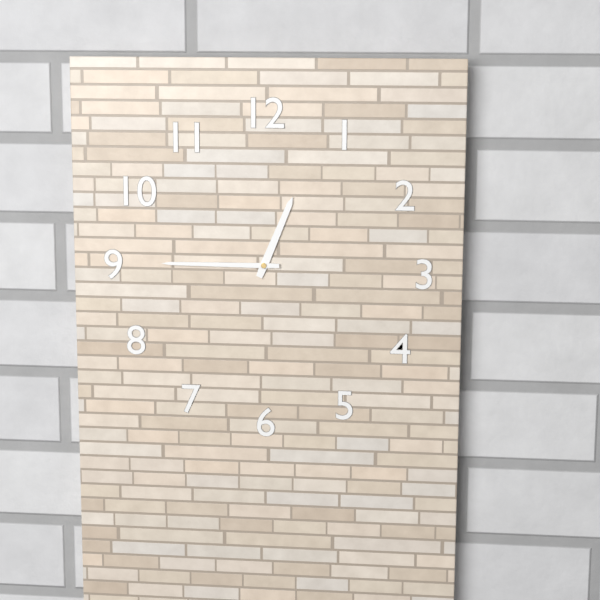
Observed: 12,45
